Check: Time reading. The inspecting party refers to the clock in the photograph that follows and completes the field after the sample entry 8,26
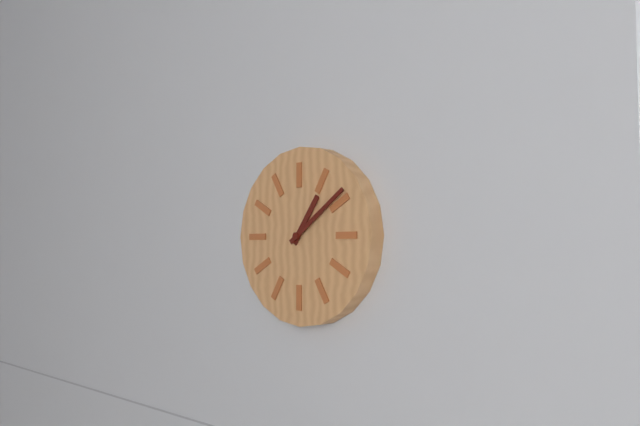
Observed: 1,09
